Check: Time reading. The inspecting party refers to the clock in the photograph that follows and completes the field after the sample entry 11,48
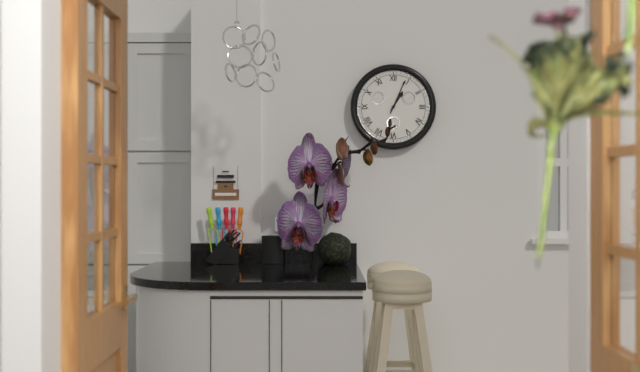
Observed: 1,04
